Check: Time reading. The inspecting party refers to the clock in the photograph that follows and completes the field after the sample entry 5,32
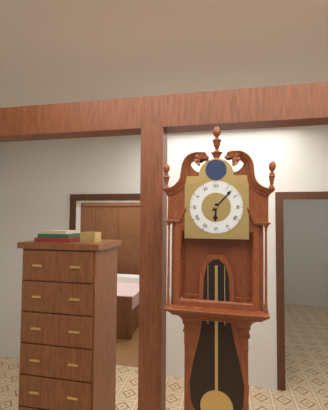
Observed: 6,07
